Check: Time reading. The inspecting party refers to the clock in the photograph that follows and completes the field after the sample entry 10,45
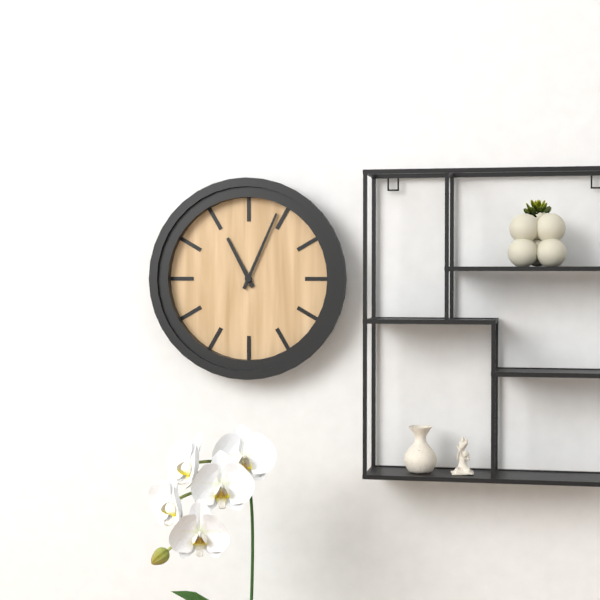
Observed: 11,04
